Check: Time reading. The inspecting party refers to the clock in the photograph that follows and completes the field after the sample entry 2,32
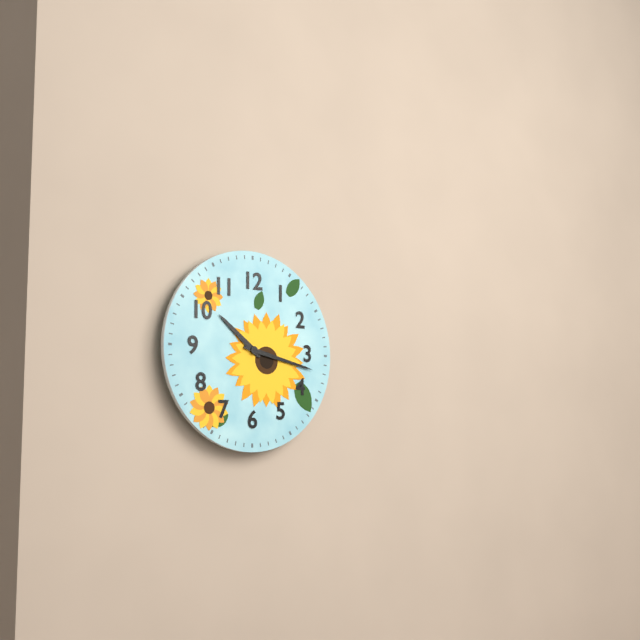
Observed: 10,17
